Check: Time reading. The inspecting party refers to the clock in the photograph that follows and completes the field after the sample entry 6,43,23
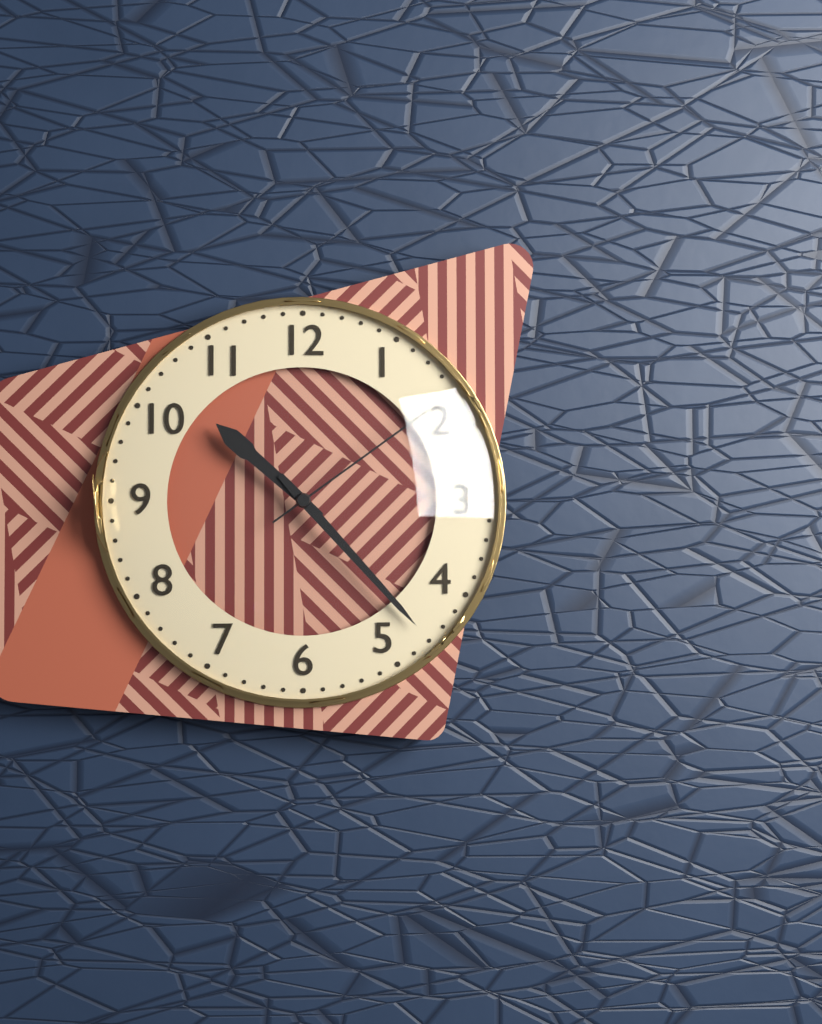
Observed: 10,23,09
